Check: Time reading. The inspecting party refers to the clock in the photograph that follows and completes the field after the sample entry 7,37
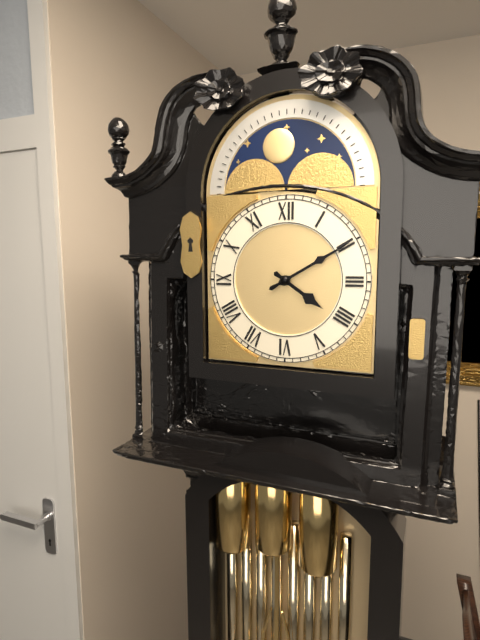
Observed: 4,10
